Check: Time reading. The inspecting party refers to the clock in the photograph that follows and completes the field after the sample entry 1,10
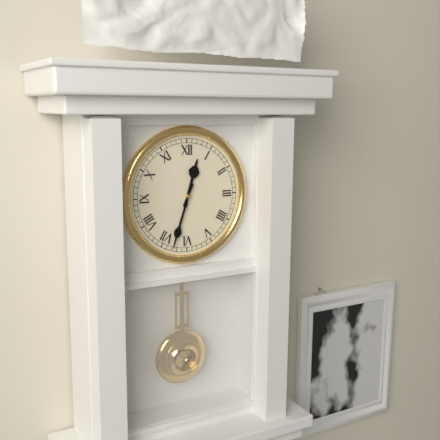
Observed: 12,33
